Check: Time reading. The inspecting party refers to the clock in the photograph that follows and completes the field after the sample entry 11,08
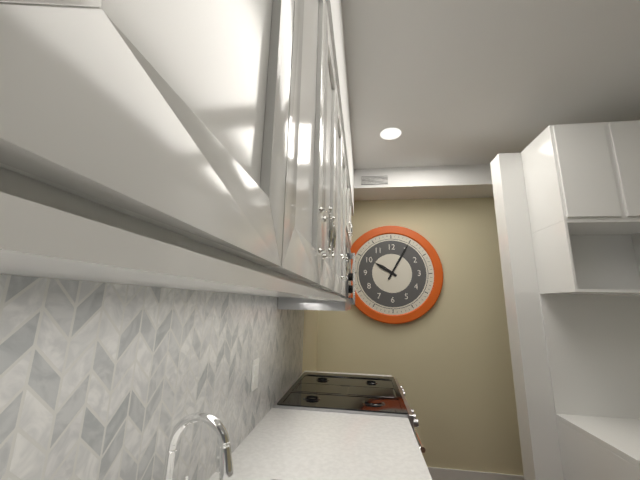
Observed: 10,05
